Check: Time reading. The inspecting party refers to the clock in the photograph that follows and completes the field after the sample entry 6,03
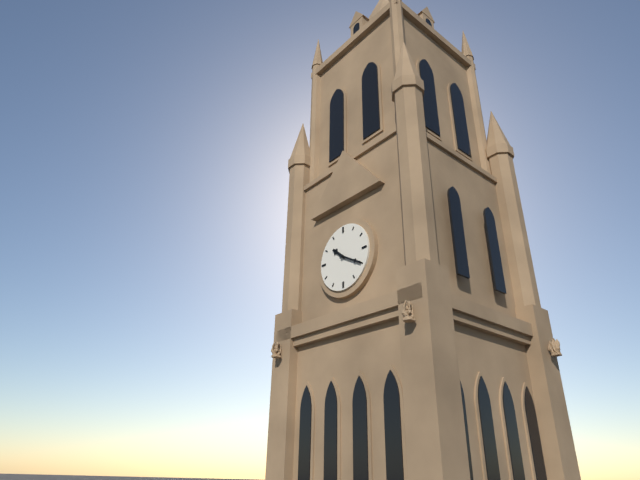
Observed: 10,20
